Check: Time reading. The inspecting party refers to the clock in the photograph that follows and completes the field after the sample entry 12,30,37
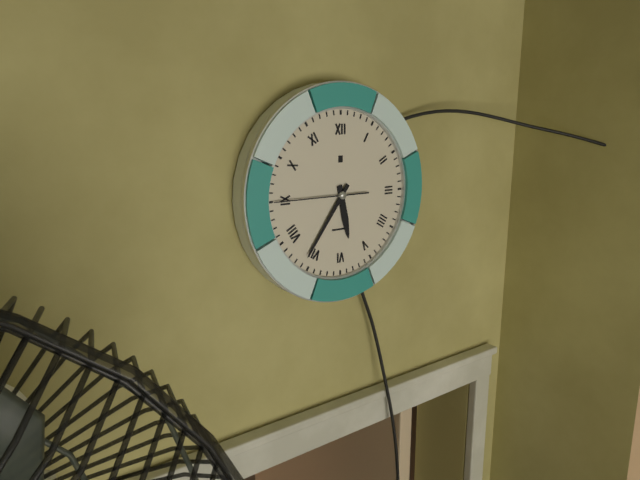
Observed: 5,36,45
